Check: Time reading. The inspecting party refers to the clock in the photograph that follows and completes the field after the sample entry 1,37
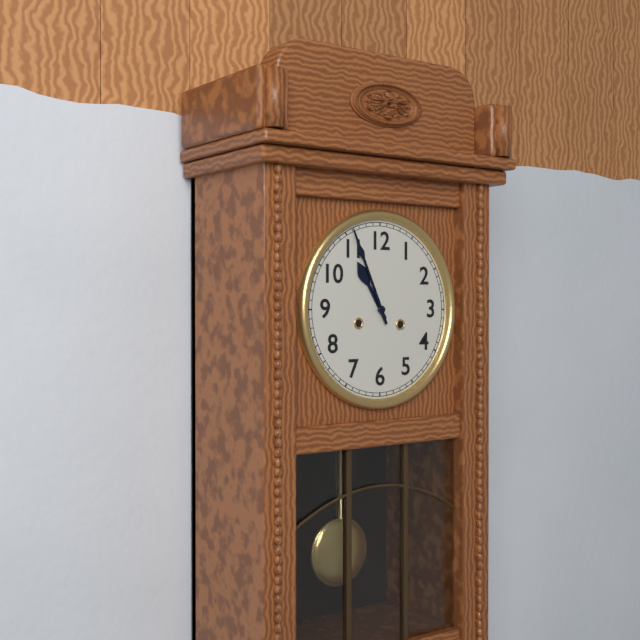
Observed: 10,56
